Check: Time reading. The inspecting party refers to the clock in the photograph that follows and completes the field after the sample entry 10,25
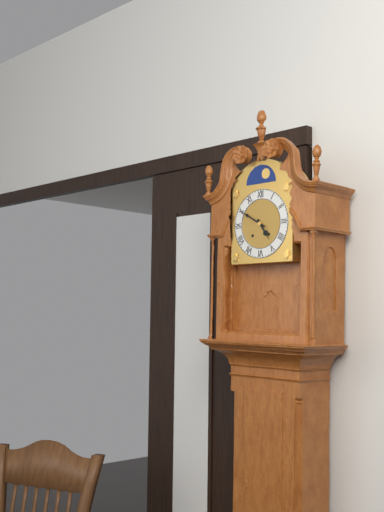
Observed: 4,50
